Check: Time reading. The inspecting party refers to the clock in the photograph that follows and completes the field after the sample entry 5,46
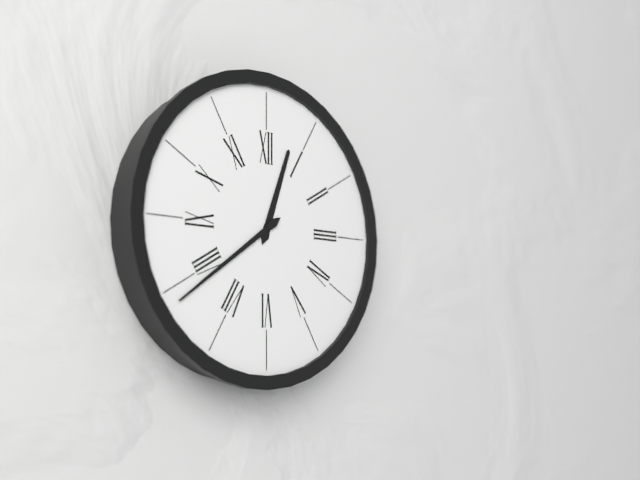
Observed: 12,39
